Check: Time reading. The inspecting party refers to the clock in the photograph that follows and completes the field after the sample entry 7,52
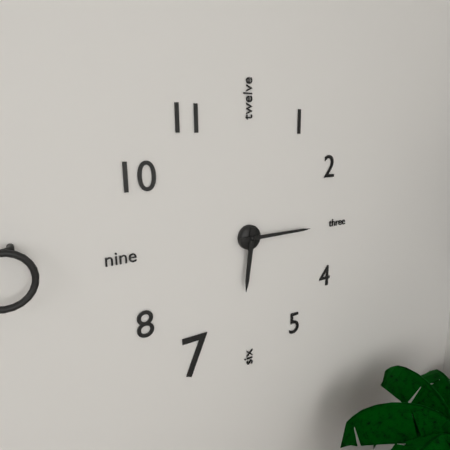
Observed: 6,15
